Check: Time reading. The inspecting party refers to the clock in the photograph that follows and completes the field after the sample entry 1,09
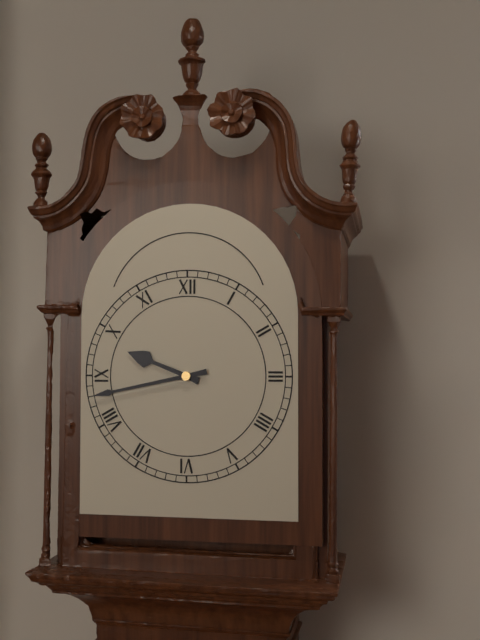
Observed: 9,43
